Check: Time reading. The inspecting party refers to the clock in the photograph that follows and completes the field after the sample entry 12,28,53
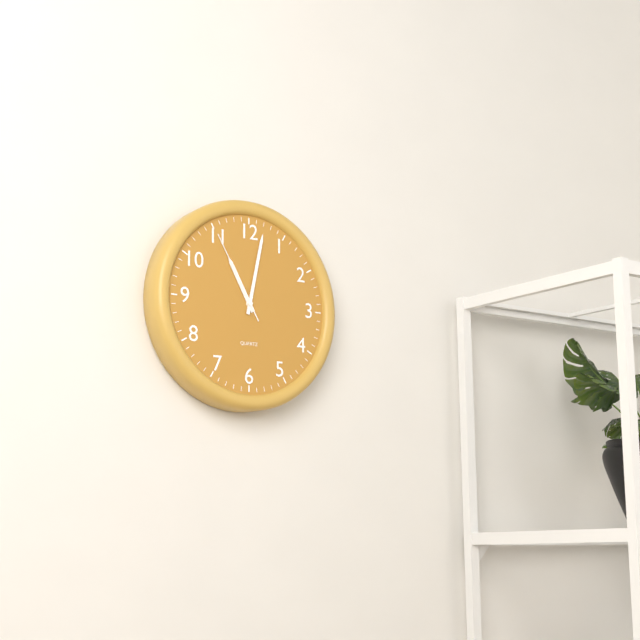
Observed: 11,02,55
